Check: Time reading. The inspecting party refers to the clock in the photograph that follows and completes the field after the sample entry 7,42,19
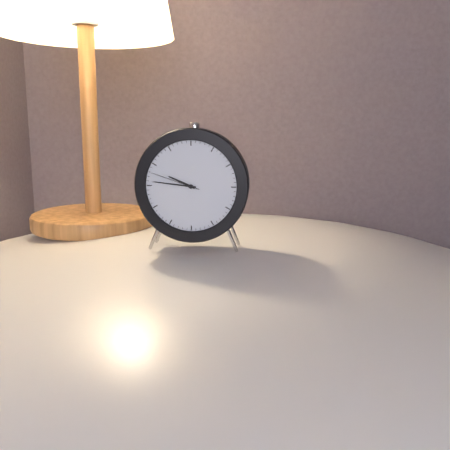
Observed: 9,46,48
